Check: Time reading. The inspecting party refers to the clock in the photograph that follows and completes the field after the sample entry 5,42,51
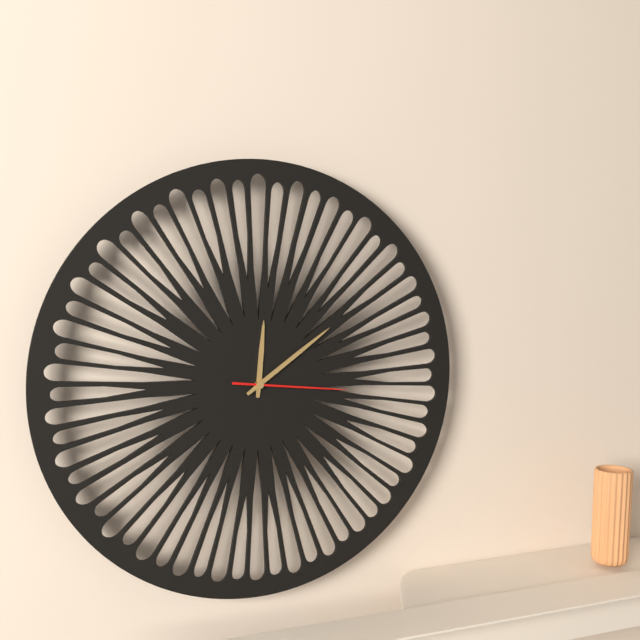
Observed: 12,09,16
